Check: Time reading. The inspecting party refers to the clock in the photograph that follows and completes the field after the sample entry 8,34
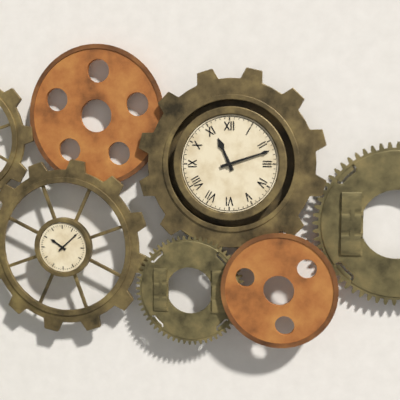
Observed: 11,12
